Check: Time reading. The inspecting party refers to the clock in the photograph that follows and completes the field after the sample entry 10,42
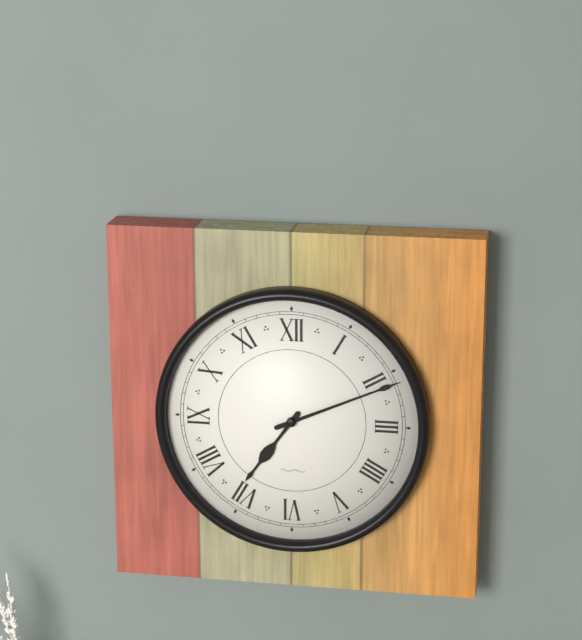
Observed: 7,11
